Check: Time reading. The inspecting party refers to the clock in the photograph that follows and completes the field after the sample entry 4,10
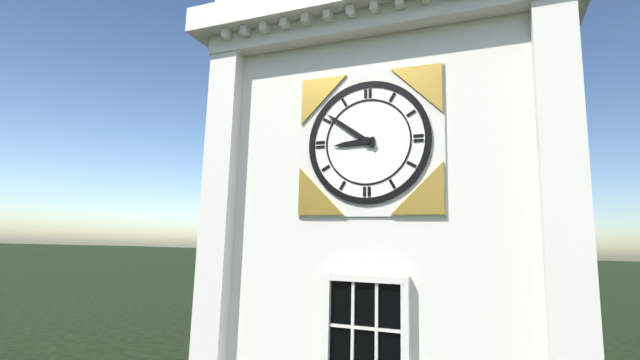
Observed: 8,51
